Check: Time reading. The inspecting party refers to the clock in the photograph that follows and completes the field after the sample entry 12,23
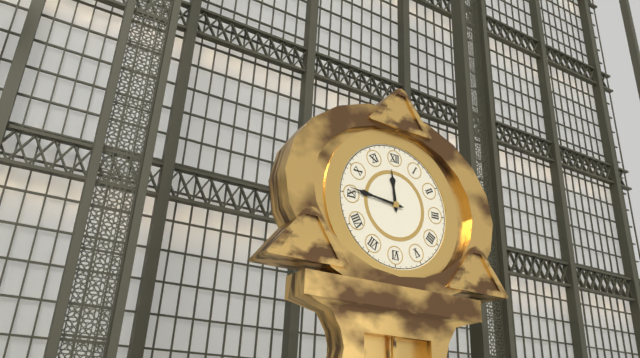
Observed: 11,46
